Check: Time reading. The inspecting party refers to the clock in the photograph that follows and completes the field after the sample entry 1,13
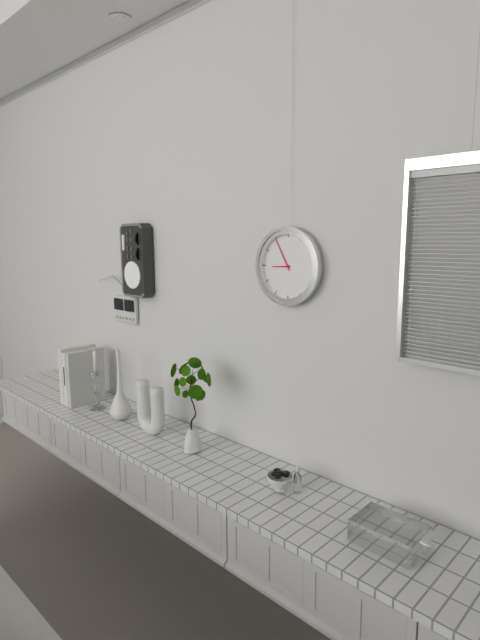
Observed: 8,55
